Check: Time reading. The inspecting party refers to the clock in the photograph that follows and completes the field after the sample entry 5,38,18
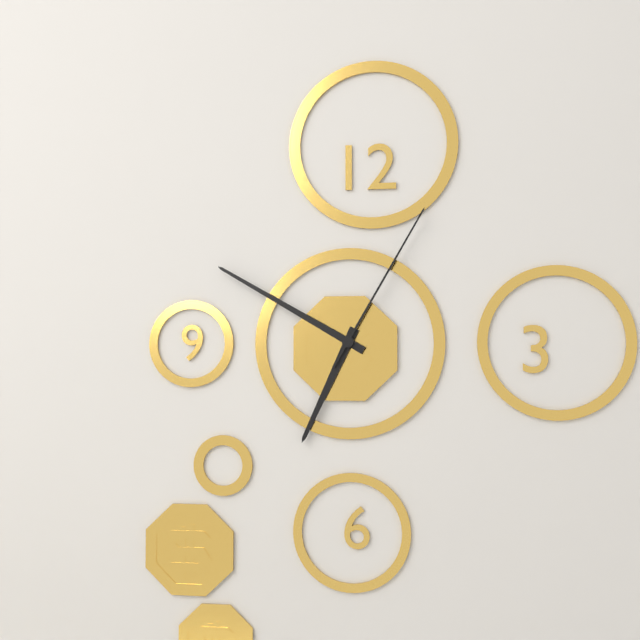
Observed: 6,50,05
